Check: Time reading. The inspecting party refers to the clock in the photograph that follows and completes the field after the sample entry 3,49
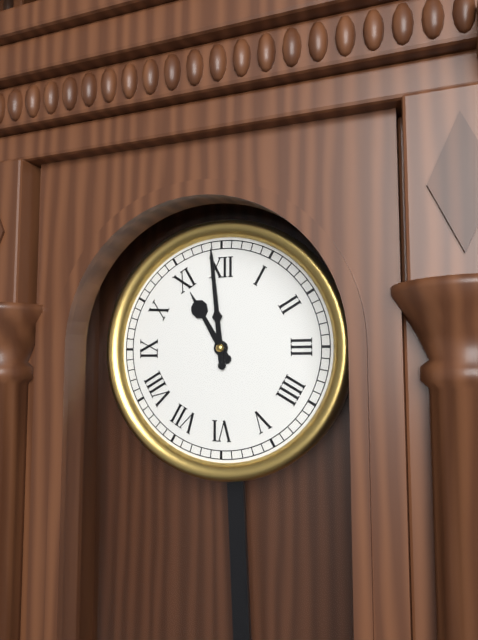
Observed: 10,59
